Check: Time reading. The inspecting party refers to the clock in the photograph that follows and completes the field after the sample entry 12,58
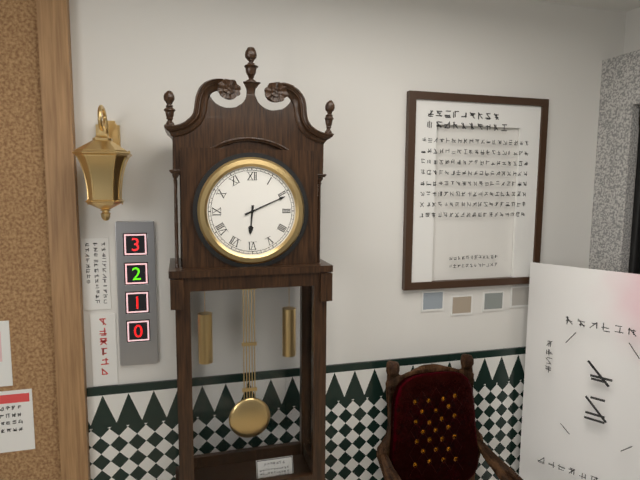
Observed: 6,11
